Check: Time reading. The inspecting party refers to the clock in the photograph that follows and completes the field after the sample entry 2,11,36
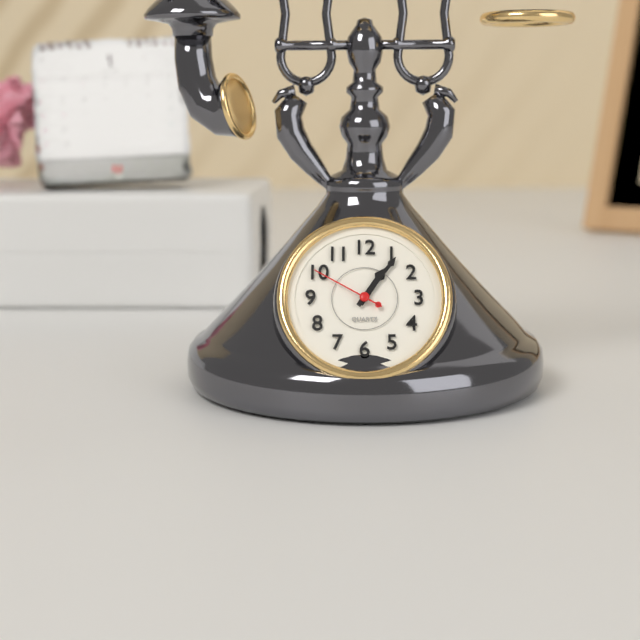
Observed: 1,06,50
